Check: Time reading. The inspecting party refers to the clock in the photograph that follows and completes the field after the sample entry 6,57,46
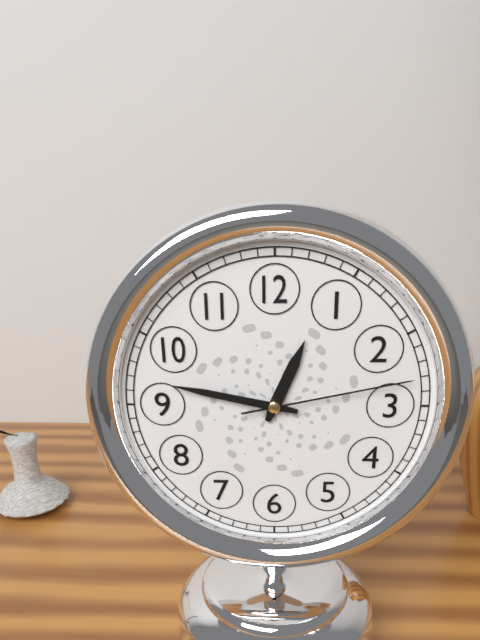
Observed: 12,47,13
